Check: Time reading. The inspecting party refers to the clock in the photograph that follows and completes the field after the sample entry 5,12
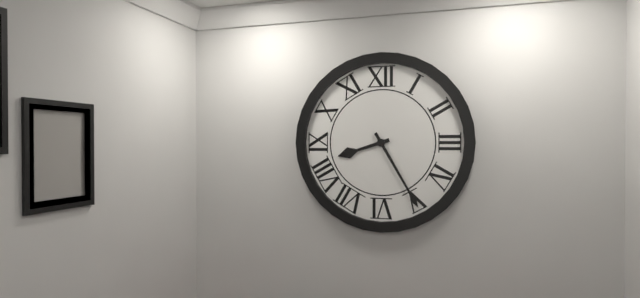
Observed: 8,25
